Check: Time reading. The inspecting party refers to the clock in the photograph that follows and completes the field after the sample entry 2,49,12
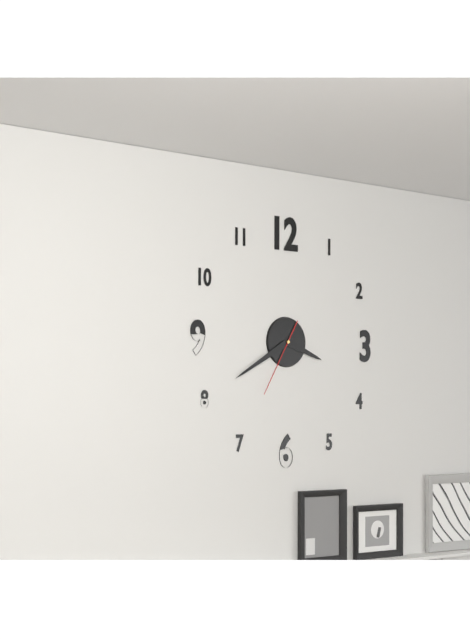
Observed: 3,40,35
